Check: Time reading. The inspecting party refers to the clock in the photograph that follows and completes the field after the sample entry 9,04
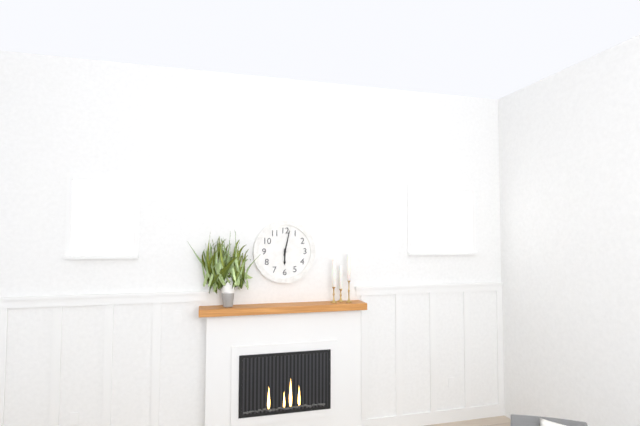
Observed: 6,02
